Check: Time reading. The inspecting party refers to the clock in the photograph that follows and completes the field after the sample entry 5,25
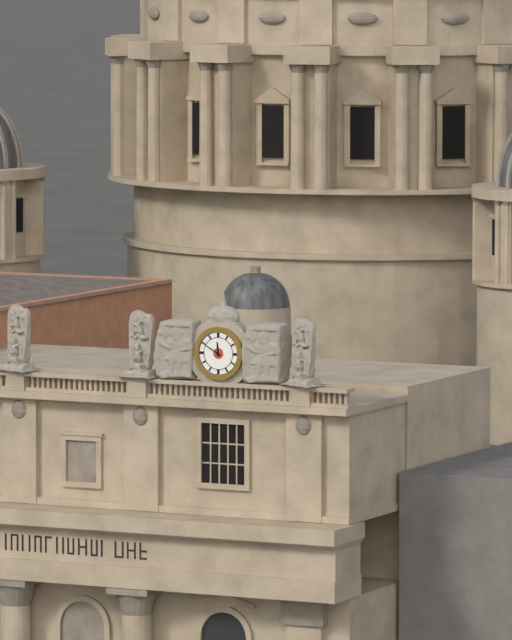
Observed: 11,50
